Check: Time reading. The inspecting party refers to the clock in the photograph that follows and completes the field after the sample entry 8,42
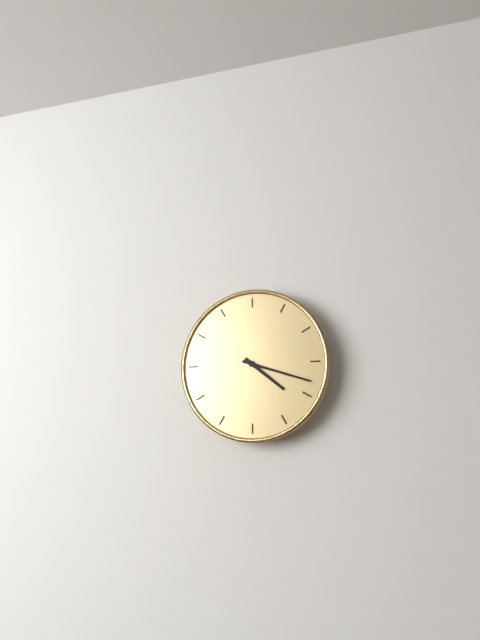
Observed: 4,18
